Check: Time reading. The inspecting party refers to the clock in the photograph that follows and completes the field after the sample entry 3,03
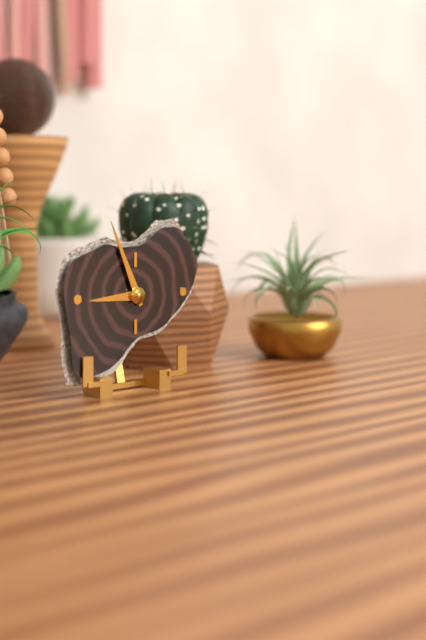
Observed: 8,56
